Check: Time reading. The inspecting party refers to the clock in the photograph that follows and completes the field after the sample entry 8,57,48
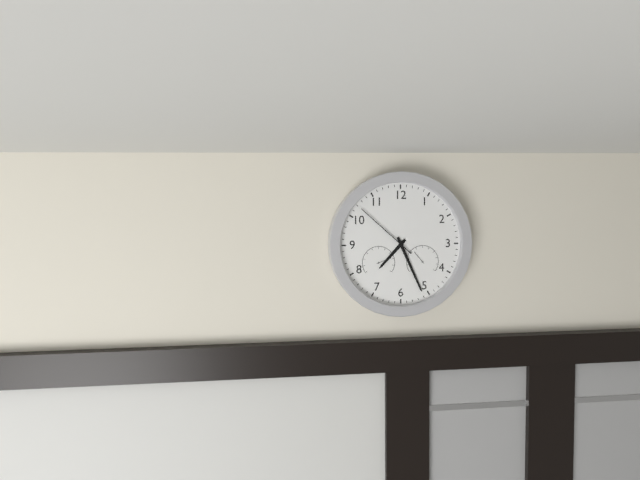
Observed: 7,26,52
